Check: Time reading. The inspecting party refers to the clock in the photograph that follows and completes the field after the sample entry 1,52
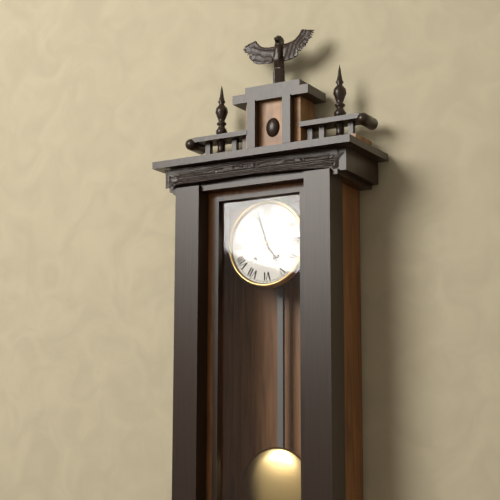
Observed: 4,57
